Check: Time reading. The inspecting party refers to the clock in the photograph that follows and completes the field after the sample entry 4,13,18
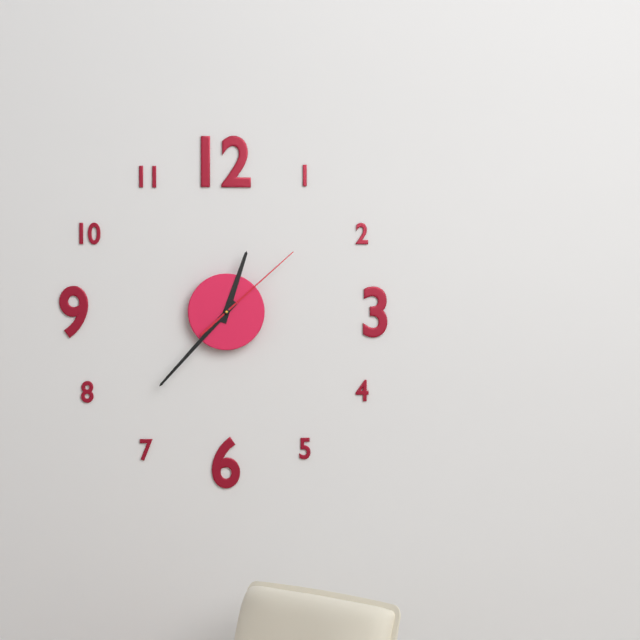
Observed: 12,37,08
